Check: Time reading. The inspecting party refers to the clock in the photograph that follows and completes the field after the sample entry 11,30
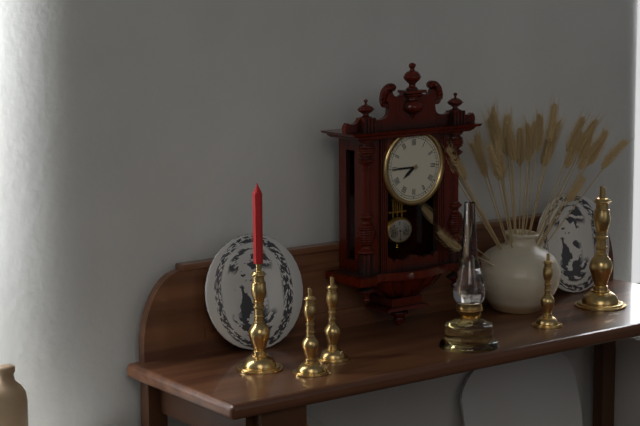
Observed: 7,45
